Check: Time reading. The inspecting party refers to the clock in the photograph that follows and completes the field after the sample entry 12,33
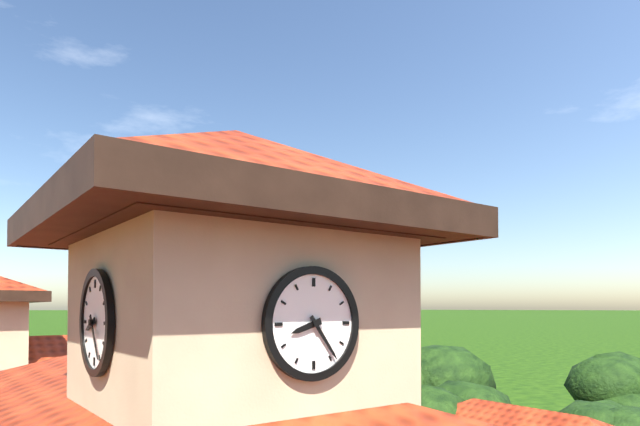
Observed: 8,24
